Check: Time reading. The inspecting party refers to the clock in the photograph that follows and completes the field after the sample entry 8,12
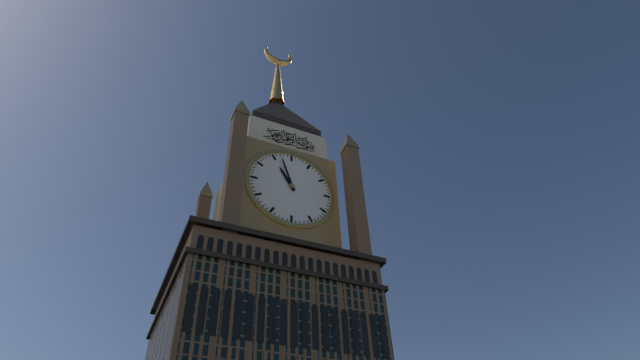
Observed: 10,57
